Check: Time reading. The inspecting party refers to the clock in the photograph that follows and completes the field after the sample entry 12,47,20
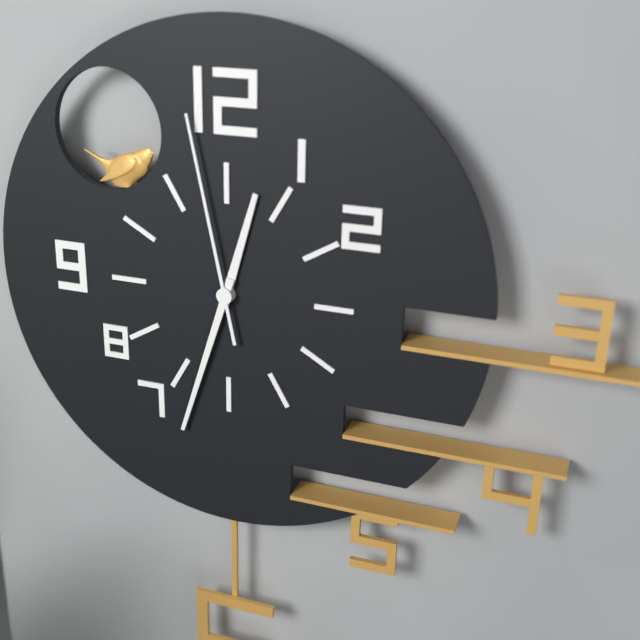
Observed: 12,33,58
